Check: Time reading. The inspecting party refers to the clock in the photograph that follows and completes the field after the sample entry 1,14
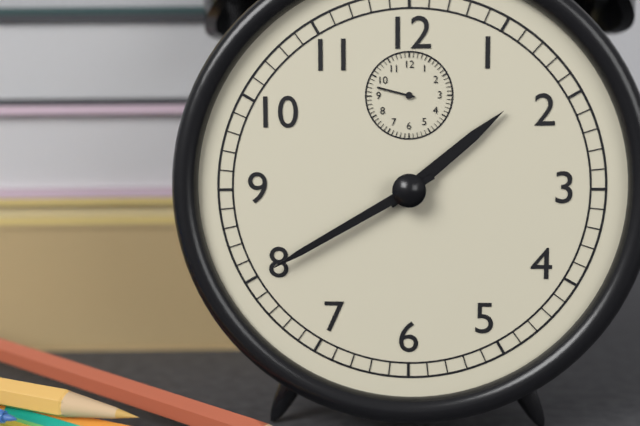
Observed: 1,40
